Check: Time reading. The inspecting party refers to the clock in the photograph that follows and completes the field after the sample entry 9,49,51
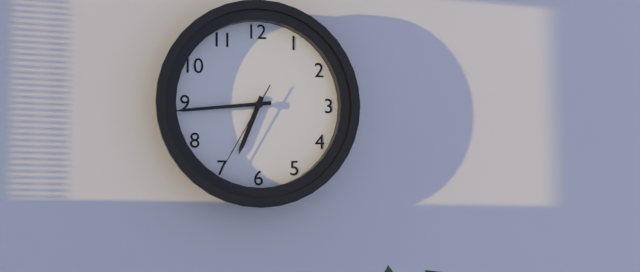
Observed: 6,44,35
